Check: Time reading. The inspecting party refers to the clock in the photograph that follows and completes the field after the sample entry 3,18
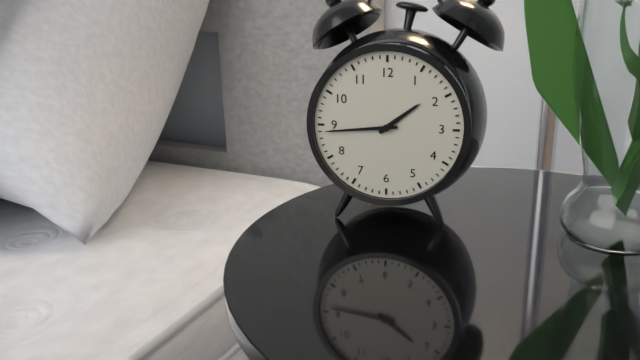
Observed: 1,44
